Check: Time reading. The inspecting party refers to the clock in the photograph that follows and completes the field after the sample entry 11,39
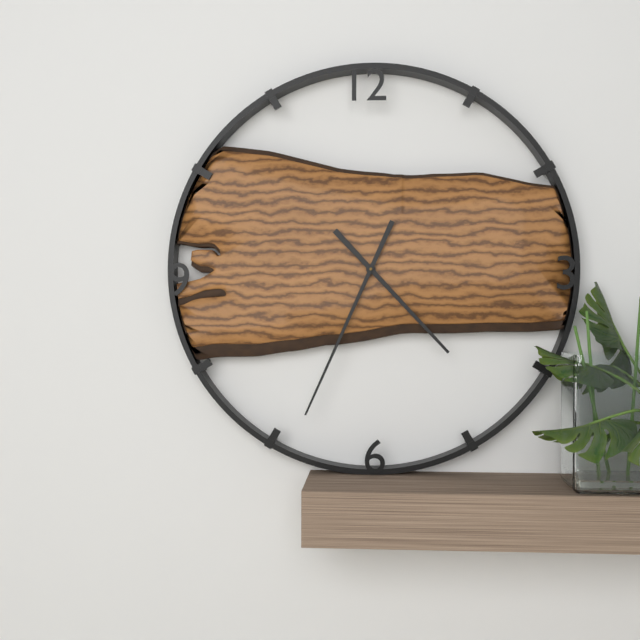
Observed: 4,34
